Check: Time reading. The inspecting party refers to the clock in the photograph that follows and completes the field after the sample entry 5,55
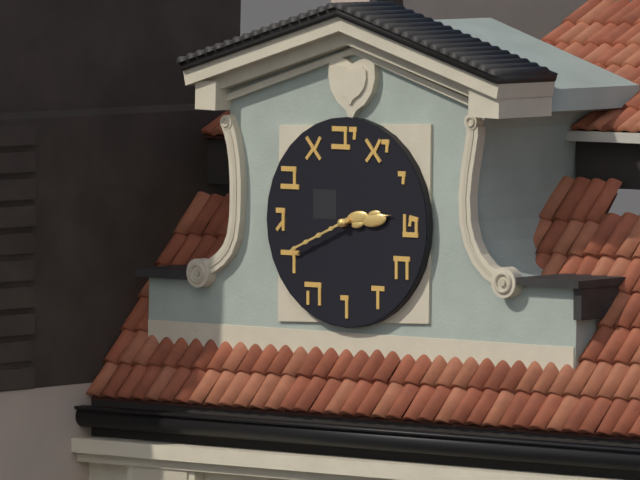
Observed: 2,41
